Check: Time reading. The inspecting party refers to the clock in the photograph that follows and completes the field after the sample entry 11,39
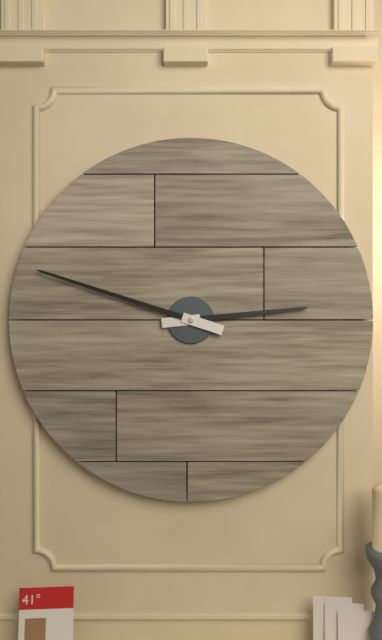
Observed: 2,48
